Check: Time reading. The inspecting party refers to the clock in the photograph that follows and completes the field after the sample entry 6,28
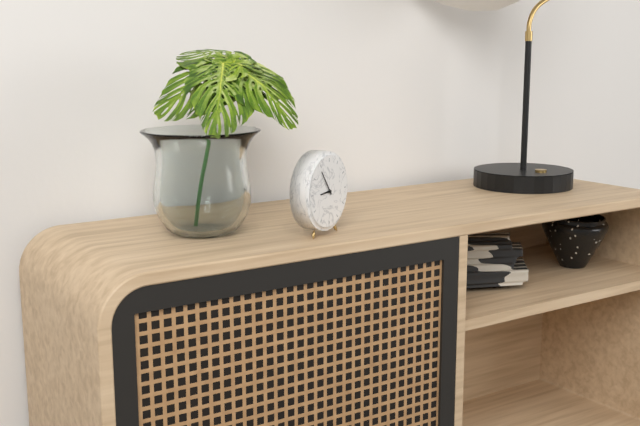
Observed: 8,54
